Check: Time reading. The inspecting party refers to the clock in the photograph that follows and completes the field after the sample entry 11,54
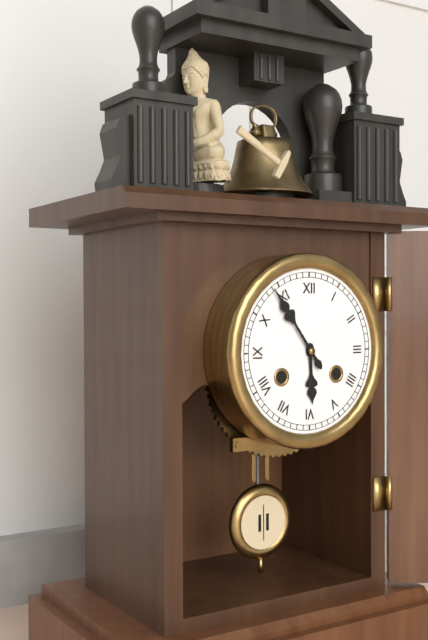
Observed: 5,54
